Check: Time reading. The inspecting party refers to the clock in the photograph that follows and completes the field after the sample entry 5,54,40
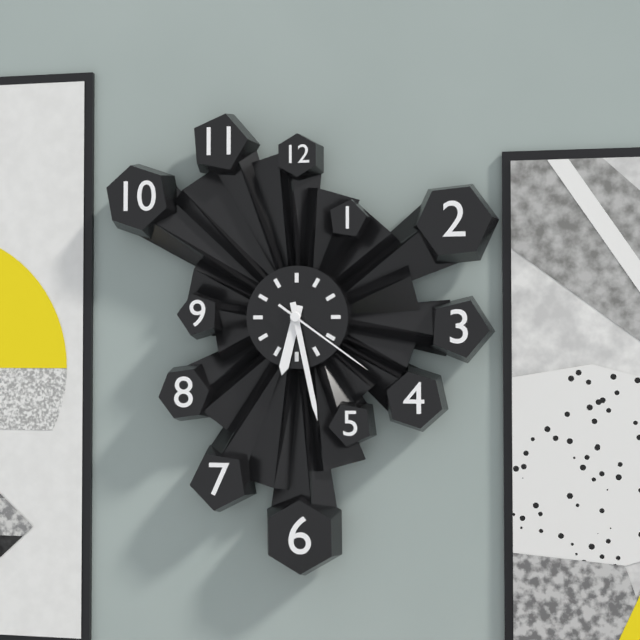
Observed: 6,28,21
